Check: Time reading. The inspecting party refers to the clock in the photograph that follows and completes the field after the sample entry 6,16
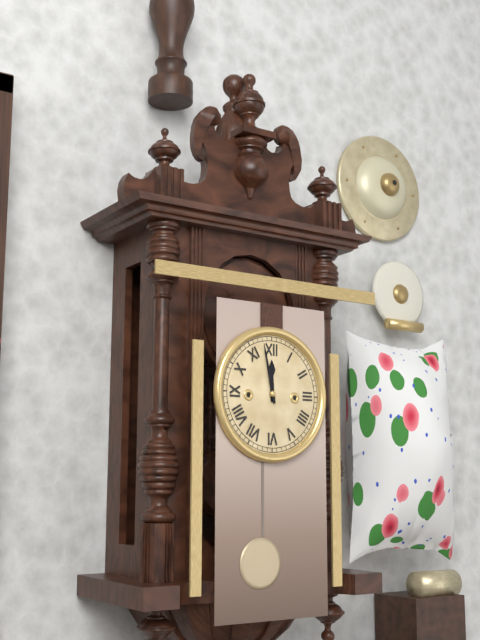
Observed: 11,58
